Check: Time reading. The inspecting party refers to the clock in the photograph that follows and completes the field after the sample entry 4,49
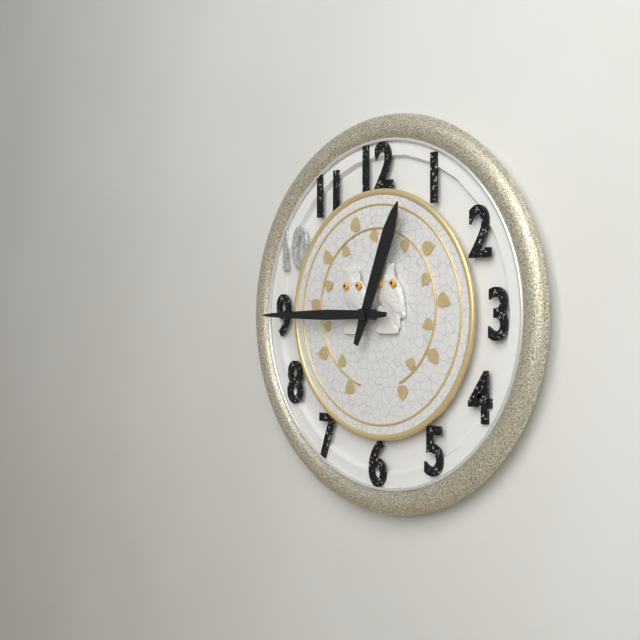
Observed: 12,45
